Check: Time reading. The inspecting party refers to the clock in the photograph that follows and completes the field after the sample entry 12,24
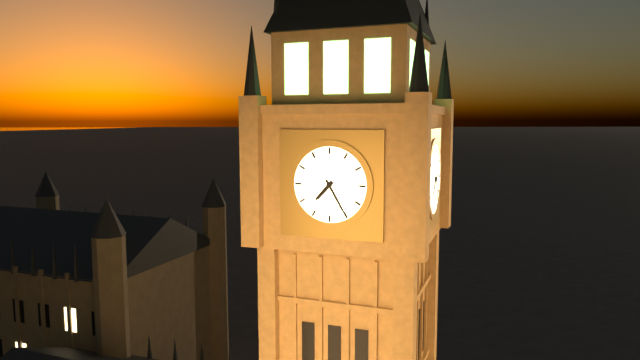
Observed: 7,25
